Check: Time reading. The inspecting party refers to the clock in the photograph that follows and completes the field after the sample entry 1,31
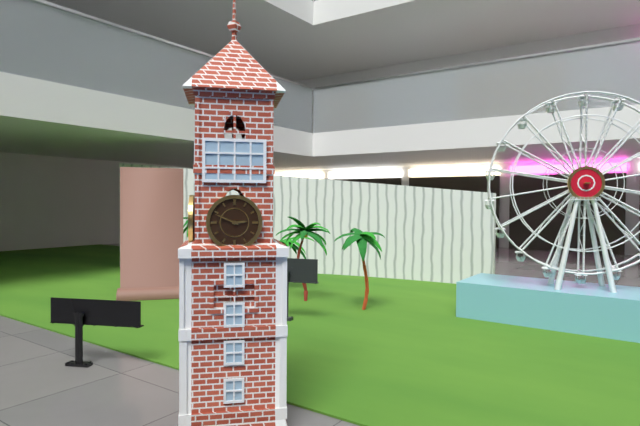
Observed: 2,49
